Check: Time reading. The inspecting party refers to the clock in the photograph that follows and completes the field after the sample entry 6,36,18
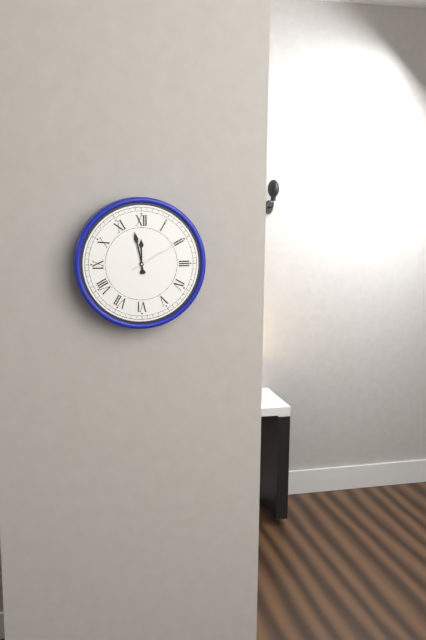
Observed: 11,58,10
